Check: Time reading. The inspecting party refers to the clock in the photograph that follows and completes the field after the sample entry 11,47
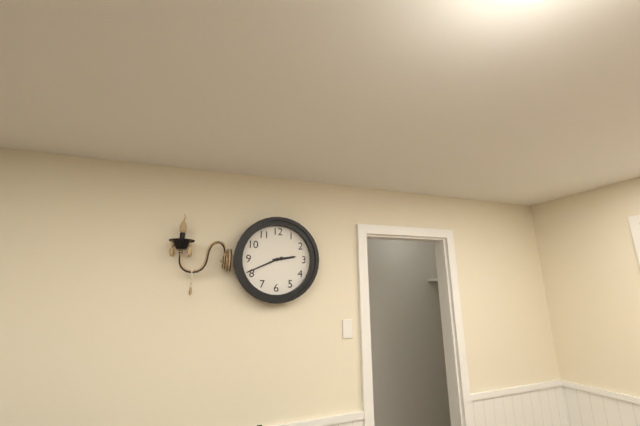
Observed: 2,41
